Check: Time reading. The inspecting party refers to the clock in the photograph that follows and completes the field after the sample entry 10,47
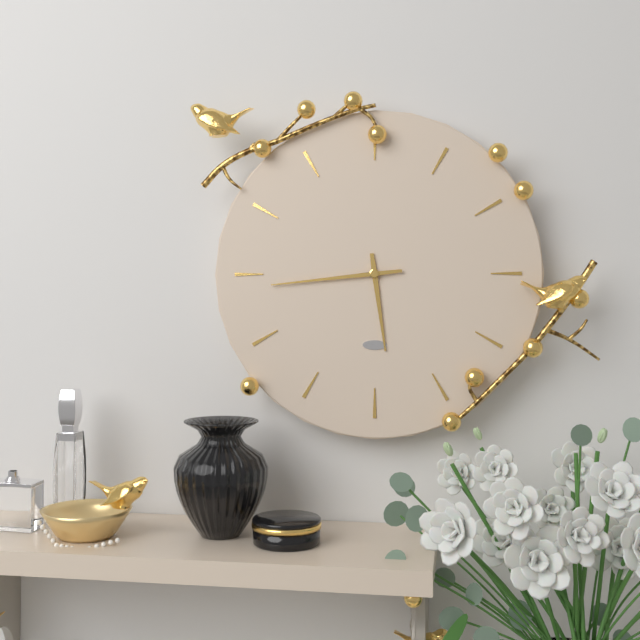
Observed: 5,44
